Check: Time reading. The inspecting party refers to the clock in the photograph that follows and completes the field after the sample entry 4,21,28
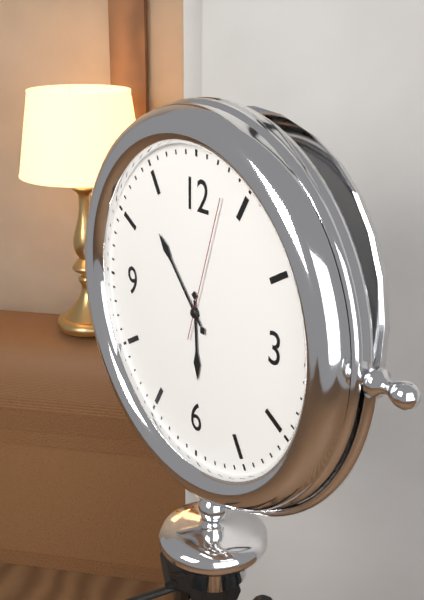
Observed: 5,53,03
